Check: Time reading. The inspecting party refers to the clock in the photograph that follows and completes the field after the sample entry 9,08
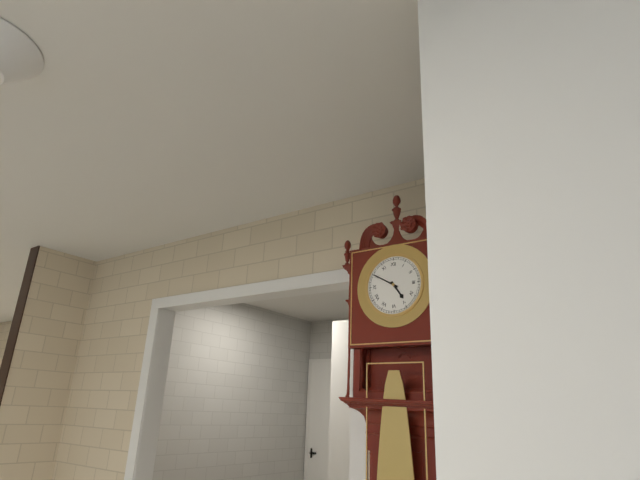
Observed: 4,50
